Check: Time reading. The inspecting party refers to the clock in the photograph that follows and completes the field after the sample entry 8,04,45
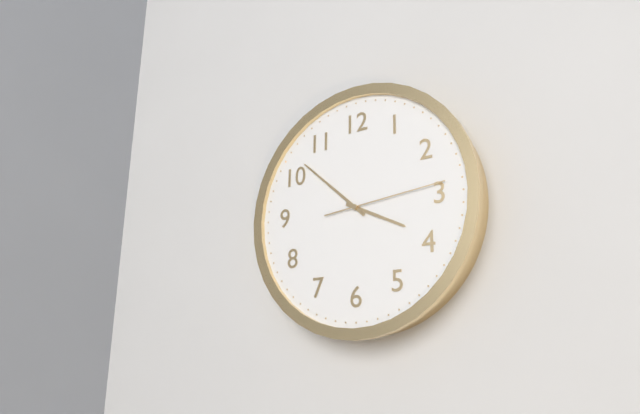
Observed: 3,52,14
